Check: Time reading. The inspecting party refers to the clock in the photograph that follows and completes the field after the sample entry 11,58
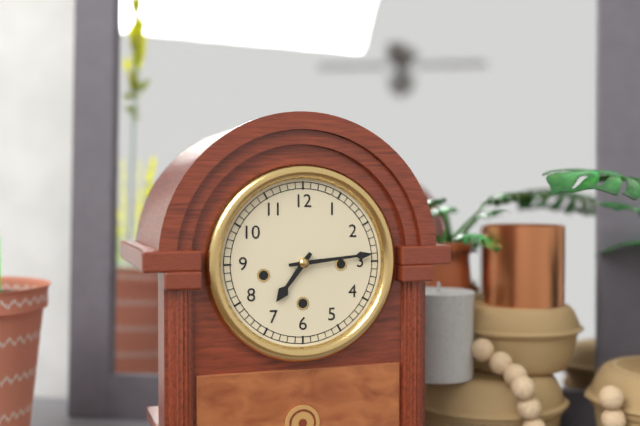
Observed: 7,14
